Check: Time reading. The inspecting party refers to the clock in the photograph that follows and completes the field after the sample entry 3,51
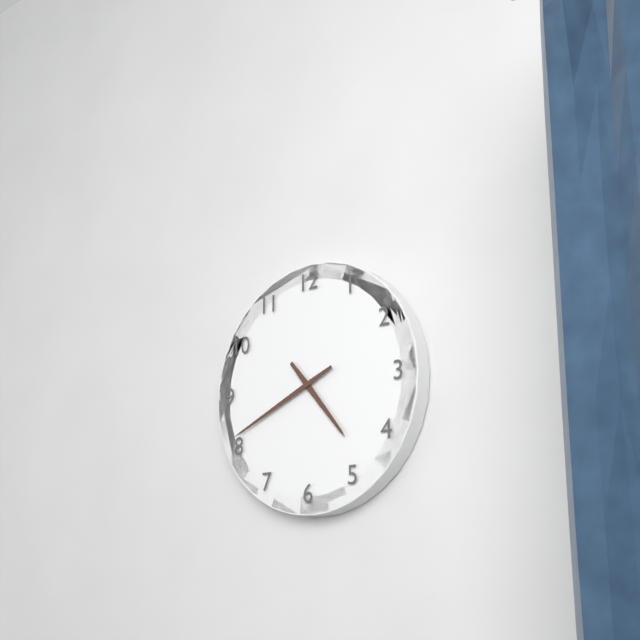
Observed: 4,41
